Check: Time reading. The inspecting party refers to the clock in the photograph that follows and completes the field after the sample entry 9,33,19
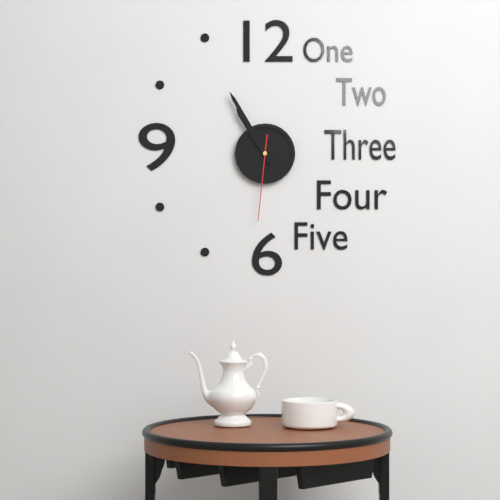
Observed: 10,55,31
